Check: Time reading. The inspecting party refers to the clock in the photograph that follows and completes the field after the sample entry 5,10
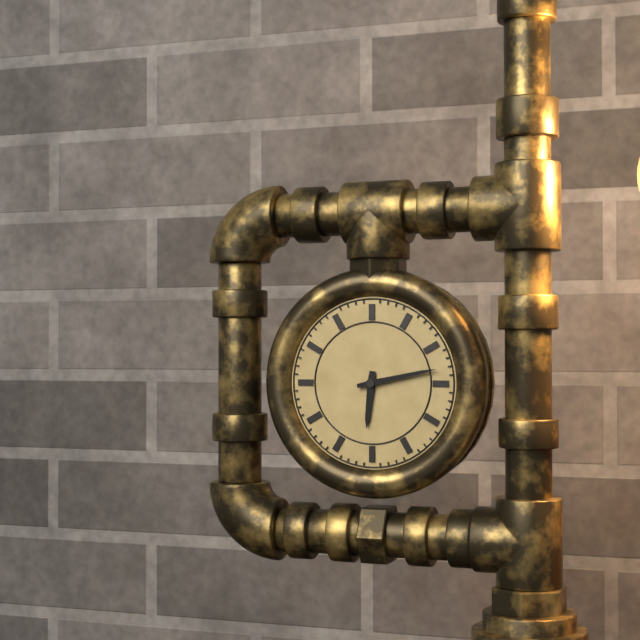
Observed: 6,13
